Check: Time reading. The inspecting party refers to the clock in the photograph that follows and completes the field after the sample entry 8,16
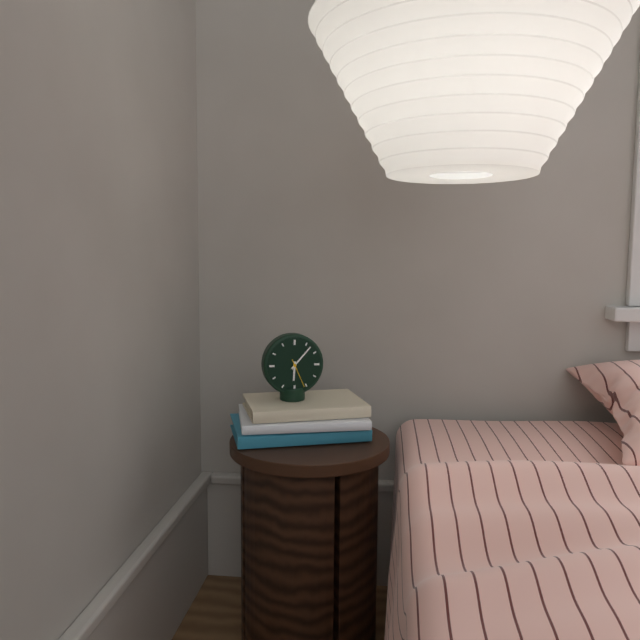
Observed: 6,07
